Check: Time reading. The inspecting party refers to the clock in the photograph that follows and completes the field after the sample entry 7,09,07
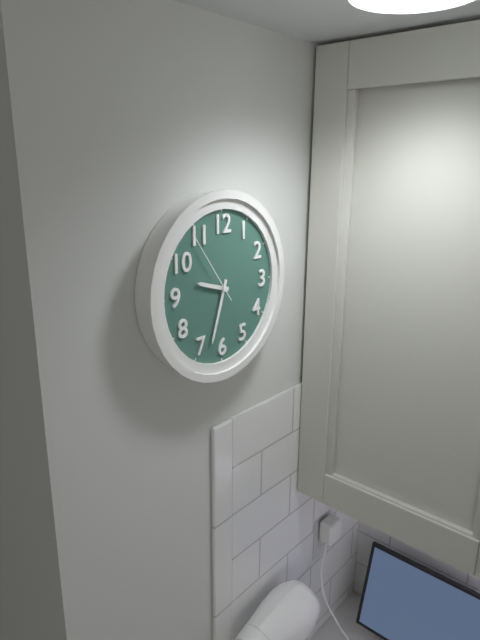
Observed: 9,33,54
